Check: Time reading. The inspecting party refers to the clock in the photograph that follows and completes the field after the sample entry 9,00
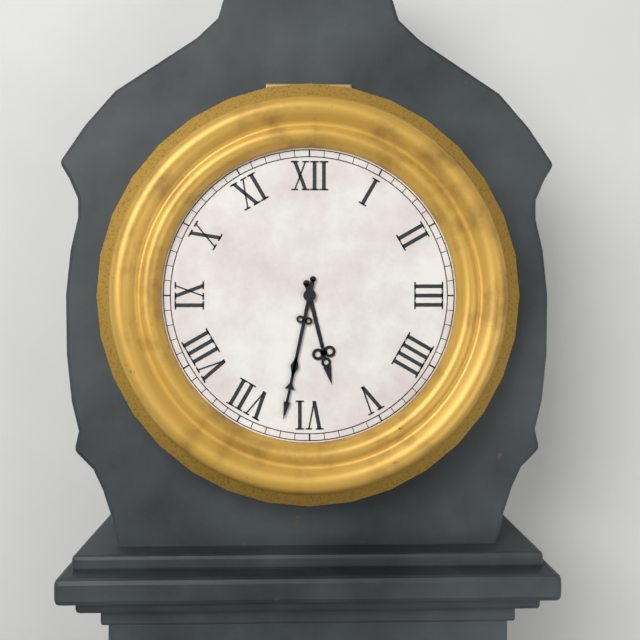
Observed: 5,32
